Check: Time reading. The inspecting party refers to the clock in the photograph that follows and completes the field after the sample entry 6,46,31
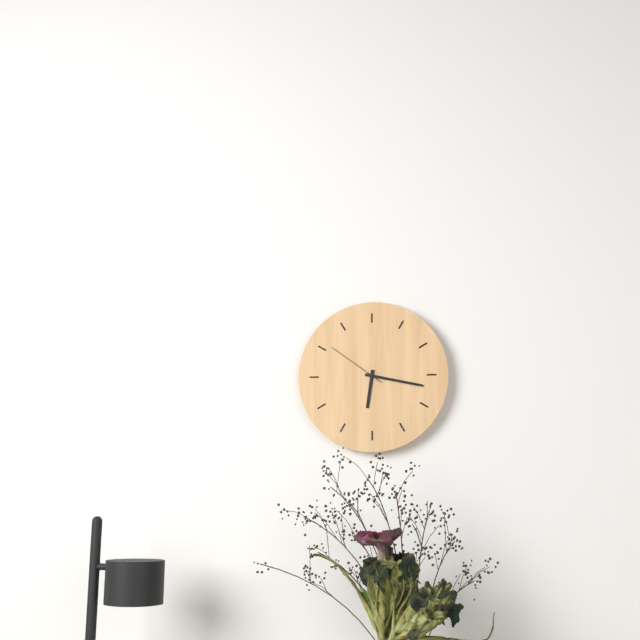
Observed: 6,17,51
